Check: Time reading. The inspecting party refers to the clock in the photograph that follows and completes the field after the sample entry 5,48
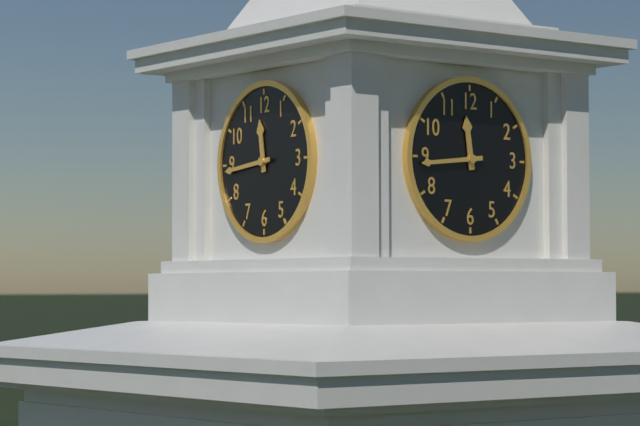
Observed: 11,44
